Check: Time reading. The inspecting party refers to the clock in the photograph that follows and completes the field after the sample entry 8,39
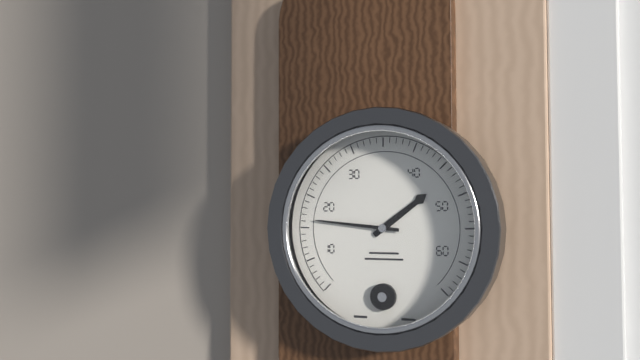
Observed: 1,46
